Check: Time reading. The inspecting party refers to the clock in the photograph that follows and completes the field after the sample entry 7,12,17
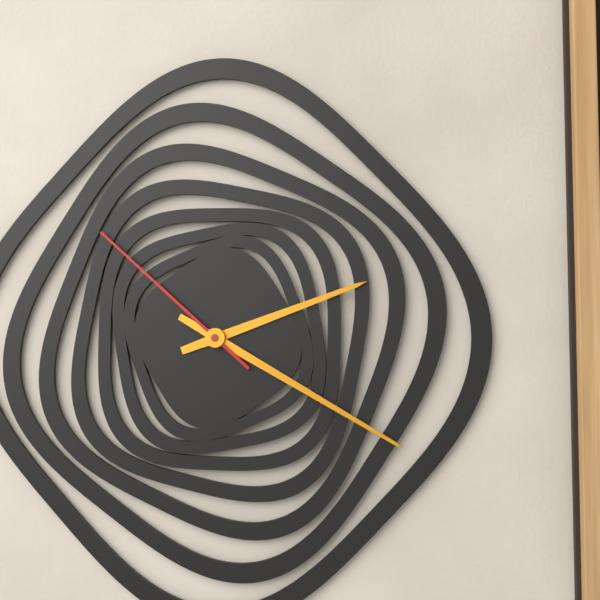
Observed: 2,20,52
